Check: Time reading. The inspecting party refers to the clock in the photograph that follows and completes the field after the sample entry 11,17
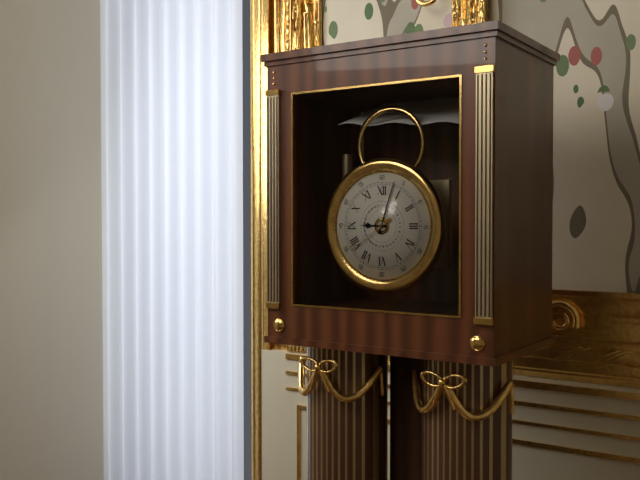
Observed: 9,03
